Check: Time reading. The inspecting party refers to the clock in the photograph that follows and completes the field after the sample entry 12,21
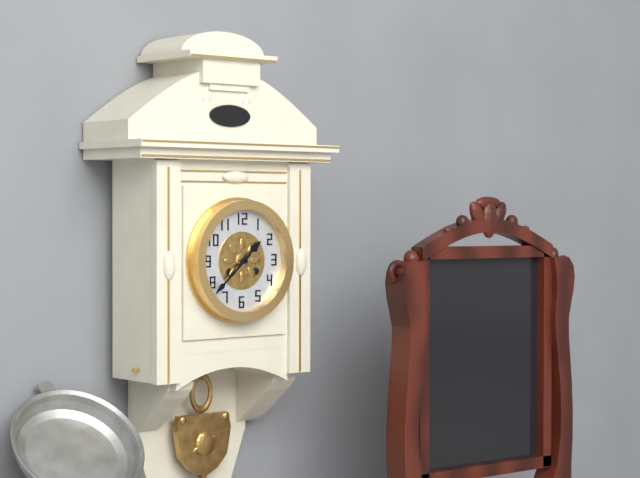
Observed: 1,38
